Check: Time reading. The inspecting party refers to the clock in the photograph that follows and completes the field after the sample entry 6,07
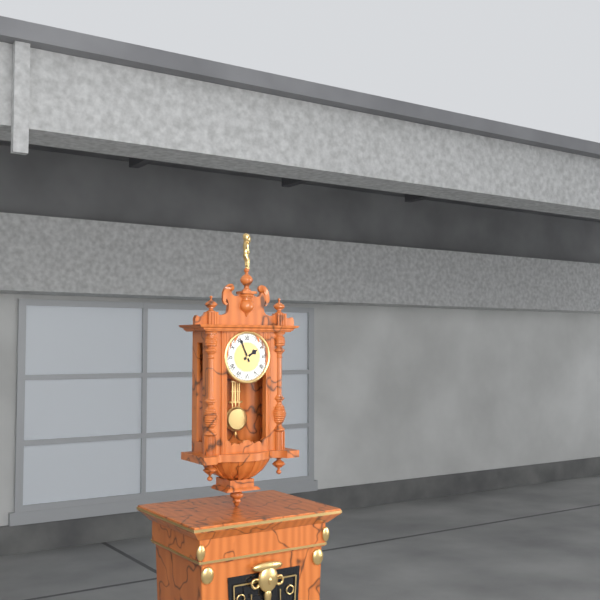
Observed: 1,56
